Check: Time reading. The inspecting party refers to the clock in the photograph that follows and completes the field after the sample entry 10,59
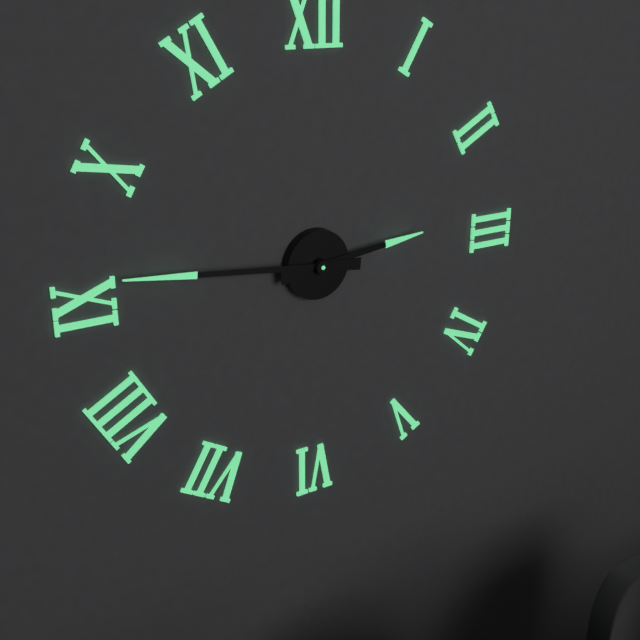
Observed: 2,46
